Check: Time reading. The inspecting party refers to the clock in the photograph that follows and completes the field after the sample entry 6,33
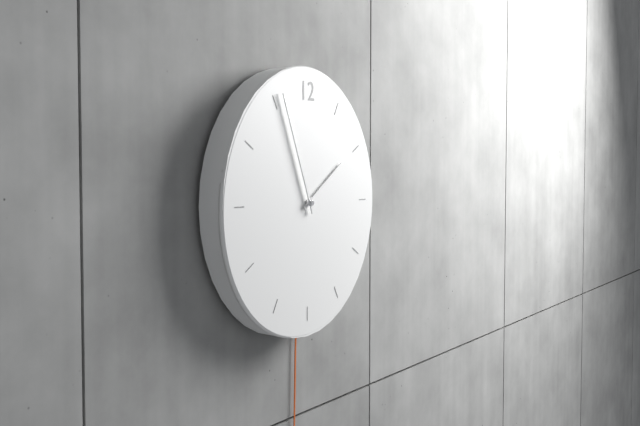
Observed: 1,56
